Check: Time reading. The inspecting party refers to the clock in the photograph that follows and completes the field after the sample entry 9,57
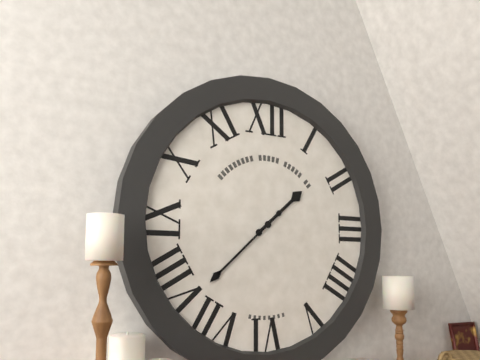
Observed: 1,38
